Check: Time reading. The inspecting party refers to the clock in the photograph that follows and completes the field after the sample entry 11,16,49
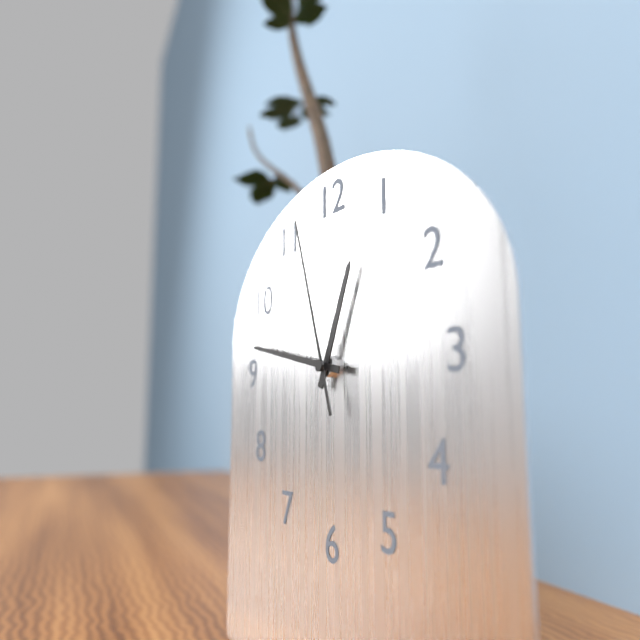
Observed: 12,47,57
